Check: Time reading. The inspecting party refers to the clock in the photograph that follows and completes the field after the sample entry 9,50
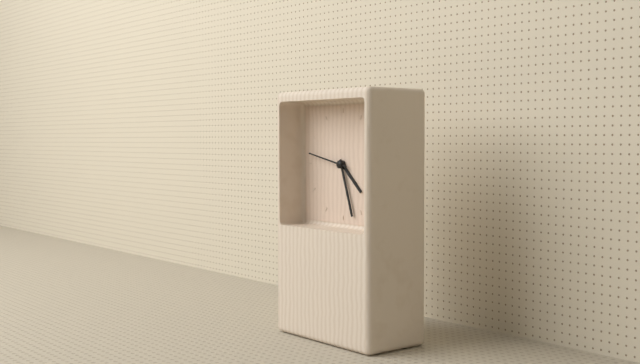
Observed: 4,27
